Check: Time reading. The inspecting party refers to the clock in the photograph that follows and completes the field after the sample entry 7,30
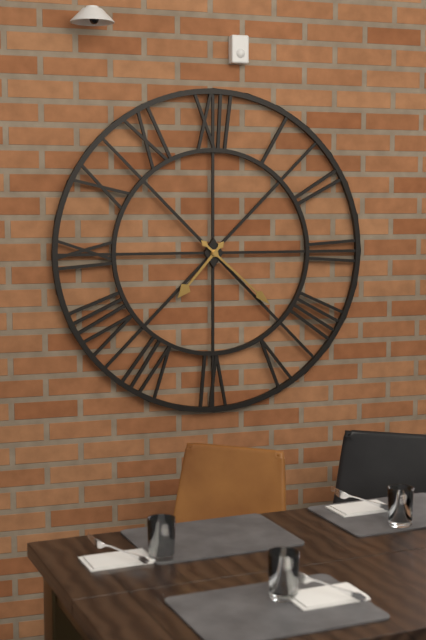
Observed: 7,22
